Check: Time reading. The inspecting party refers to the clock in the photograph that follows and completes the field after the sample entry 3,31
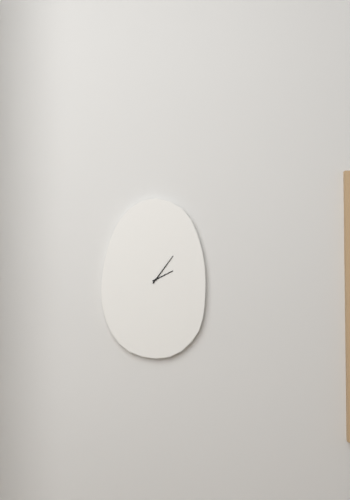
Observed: 2,06
